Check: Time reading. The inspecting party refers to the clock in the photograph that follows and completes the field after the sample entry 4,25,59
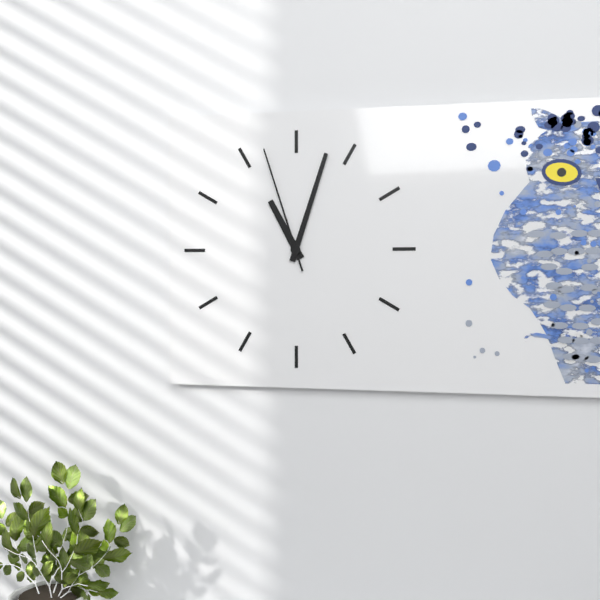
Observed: 11,03,57
